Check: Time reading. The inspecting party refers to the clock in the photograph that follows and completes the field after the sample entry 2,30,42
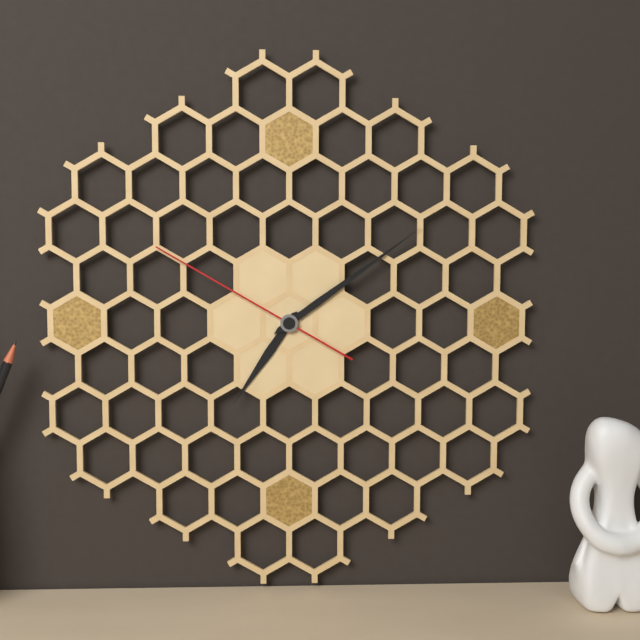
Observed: 7,09,50
